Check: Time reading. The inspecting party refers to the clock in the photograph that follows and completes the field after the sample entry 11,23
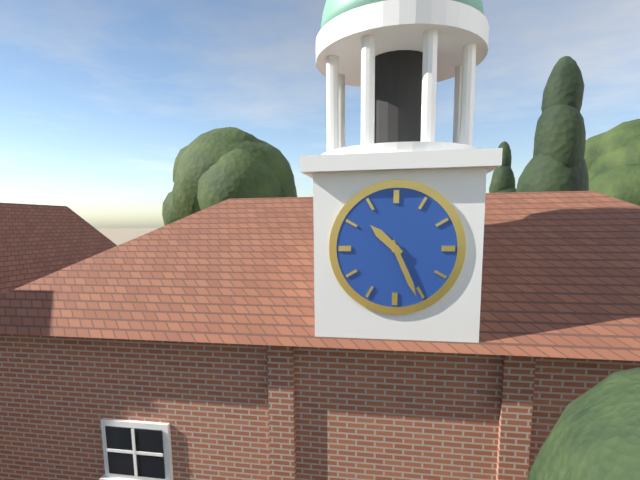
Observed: 10,26
